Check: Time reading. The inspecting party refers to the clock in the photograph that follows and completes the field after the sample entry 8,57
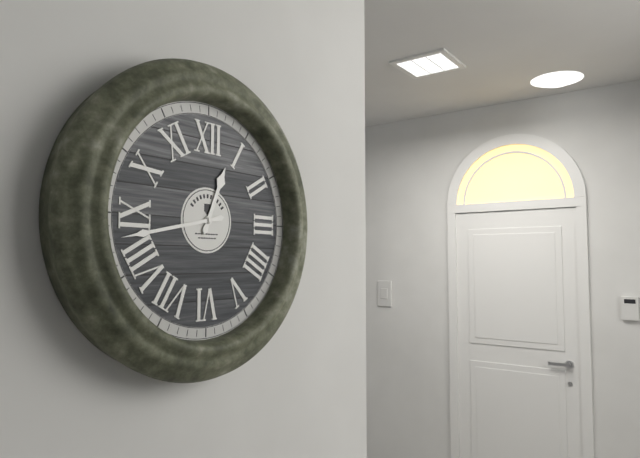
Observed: 12,43
